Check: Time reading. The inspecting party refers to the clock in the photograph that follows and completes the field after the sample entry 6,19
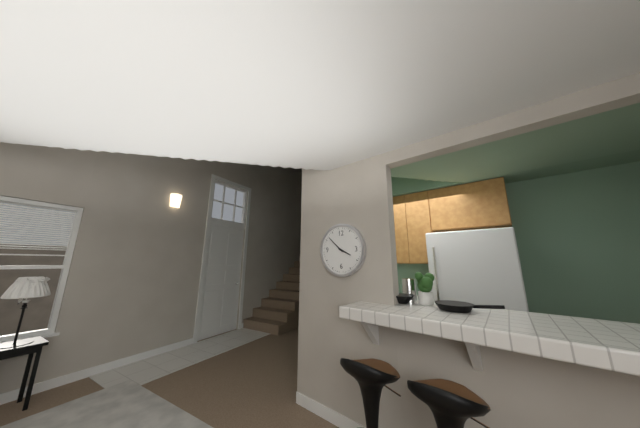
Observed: 3,52
